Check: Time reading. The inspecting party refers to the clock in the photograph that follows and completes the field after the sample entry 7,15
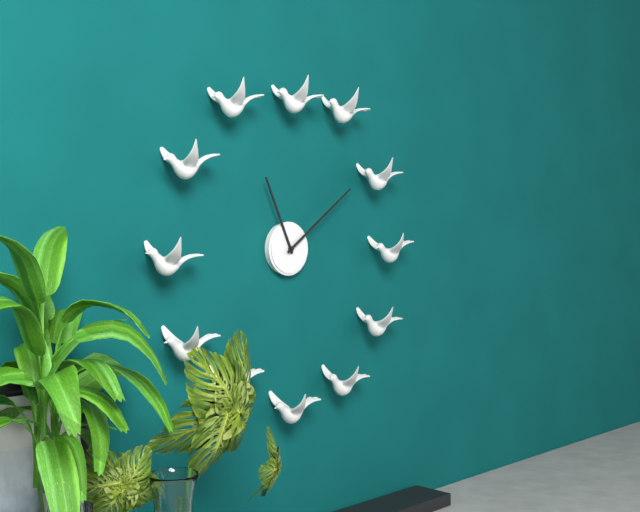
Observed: 11,09
